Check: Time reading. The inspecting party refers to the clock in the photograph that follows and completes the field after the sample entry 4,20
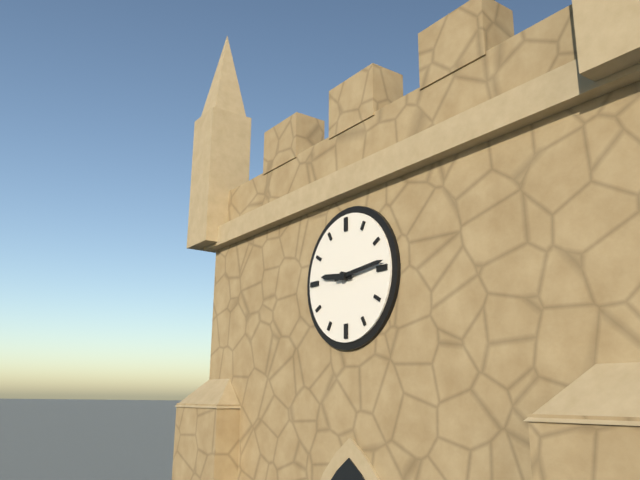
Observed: 9,14
